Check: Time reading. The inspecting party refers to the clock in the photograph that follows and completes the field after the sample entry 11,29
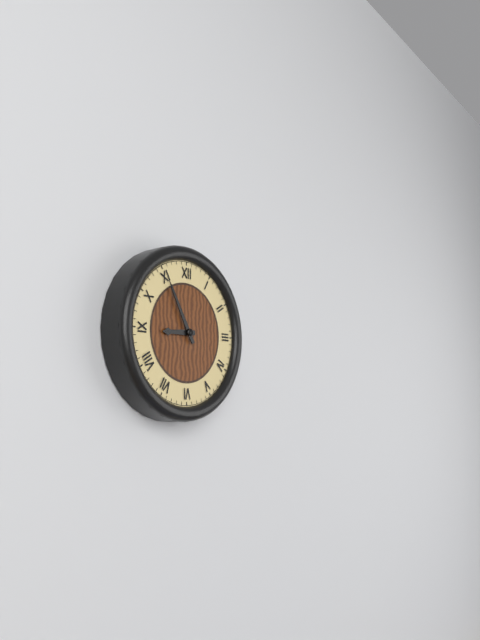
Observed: 8,55
